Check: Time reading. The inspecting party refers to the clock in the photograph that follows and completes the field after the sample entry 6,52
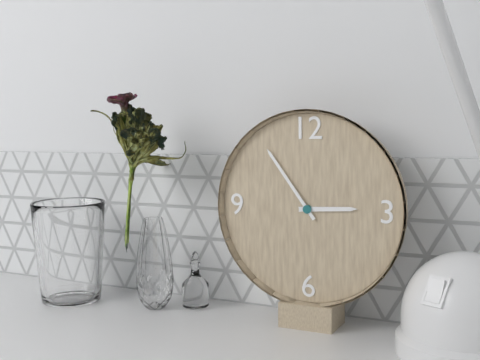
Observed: 2,54
